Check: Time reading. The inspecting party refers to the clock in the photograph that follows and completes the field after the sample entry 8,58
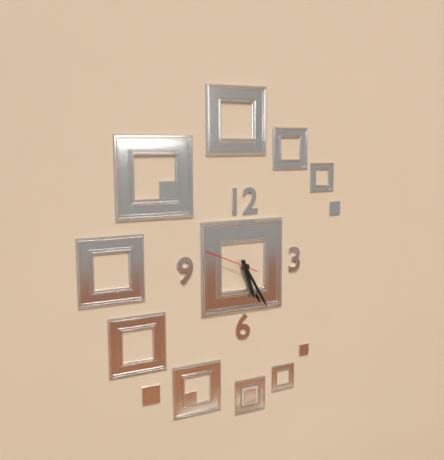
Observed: 5,25
